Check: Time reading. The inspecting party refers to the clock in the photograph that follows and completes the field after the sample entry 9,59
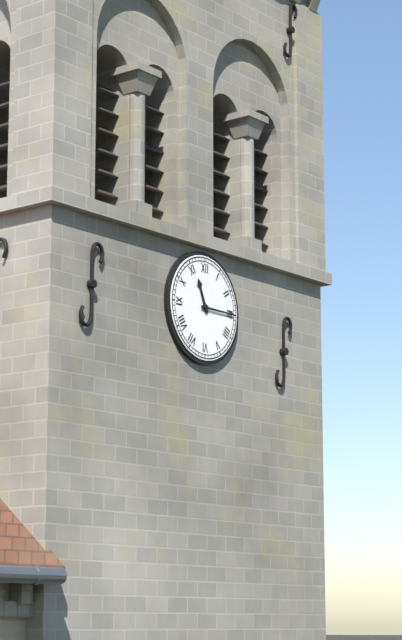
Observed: 11,15
